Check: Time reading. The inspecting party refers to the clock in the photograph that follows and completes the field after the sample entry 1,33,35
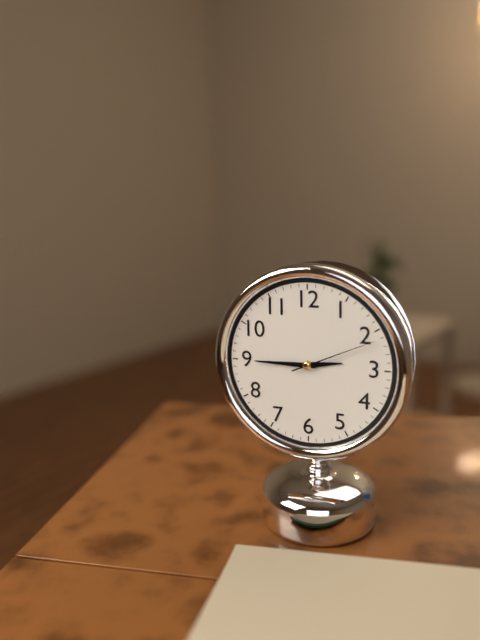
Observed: 2,45,11
